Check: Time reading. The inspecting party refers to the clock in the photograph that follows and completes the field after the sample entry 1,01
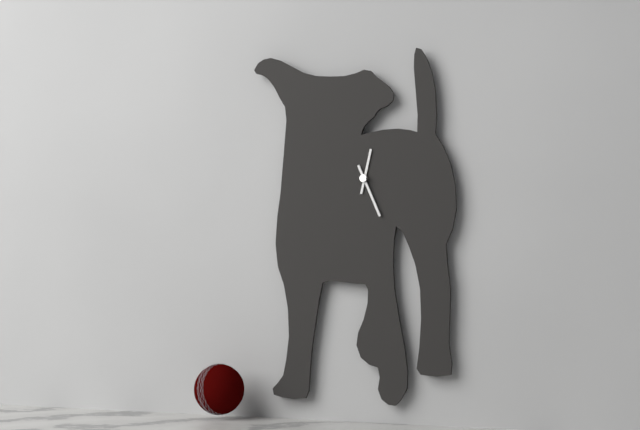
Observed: 12,26
